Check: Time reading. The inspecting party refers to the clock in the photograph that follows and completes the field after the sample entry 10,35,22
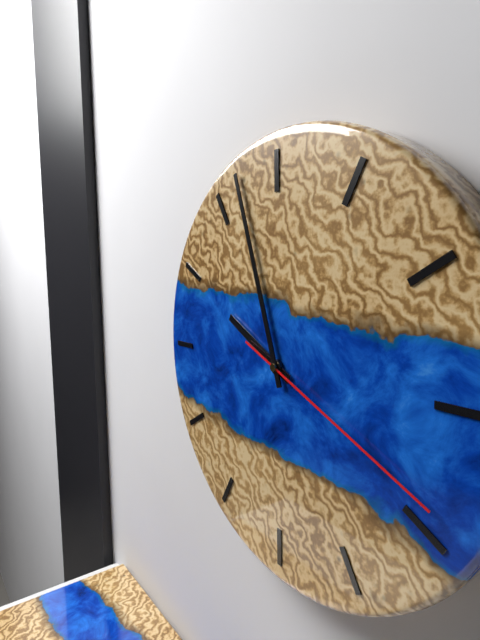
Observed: 9,57,19
